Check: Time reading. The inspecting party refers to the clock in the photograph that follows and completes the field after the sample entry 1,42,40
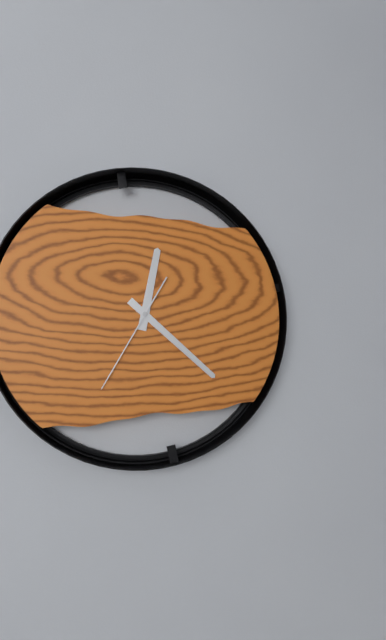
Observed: 12,22,35
